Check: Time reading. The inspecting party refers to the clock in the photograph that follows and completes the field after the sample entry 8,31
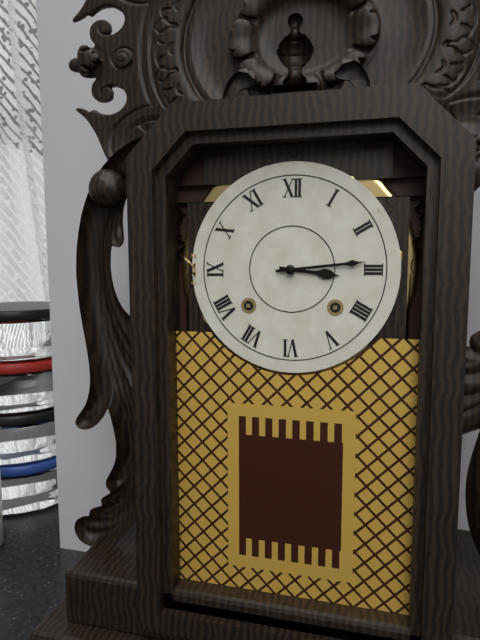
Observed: 3,14
